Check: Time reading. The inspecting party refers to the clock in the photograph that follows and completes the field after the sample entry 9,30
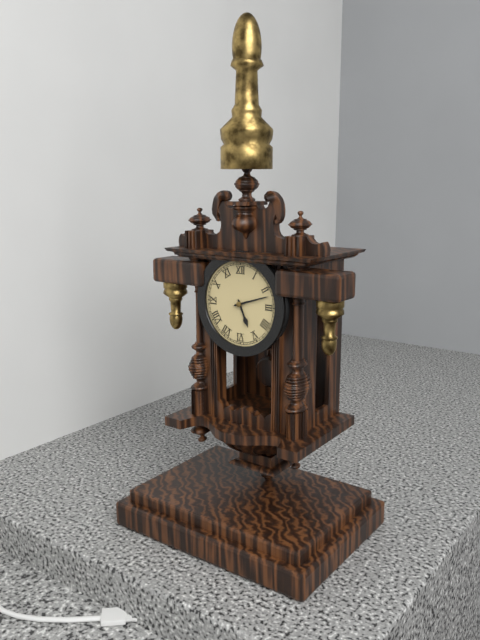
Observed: 5,12
